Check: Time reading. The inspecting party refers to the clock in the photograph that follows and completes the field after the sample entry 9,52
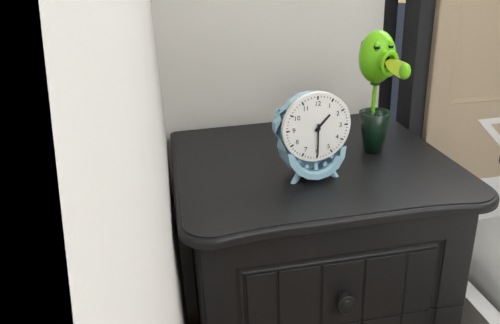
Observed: 1,30
